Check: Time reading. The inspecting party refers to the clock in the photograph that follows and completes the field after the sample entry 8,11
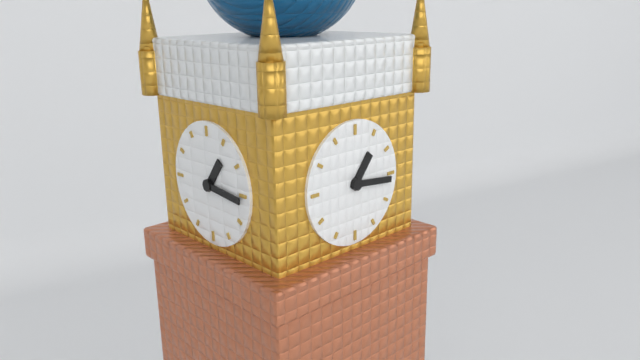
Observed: 1,16
